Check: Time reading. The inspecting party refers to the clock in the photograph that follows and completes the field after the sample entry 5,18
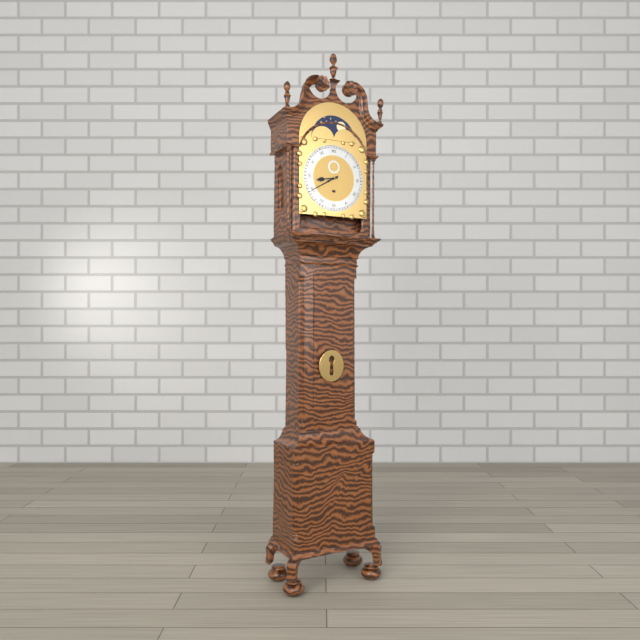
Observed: 8,40
